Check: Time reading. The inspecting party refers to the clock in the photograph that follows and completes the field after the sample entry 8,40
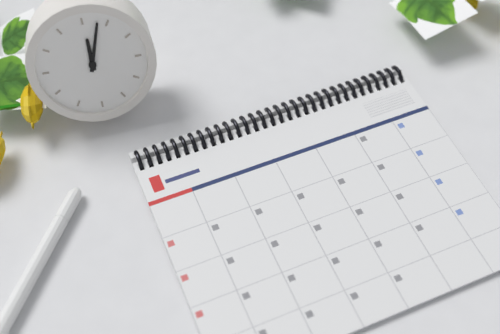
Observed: 12,03
